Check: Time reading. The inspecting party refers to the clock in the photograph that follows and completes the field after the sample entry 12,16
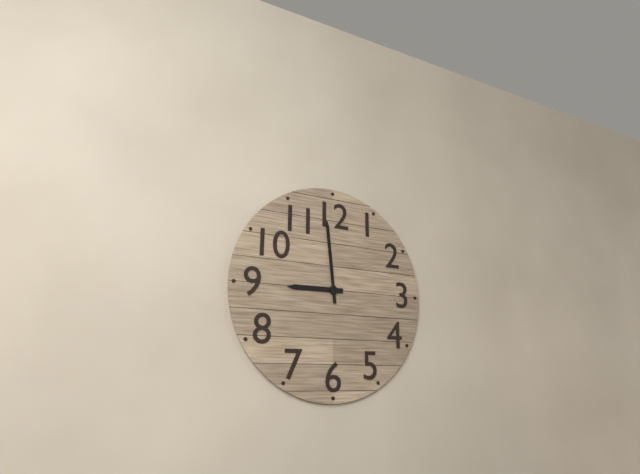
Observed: 8,59
